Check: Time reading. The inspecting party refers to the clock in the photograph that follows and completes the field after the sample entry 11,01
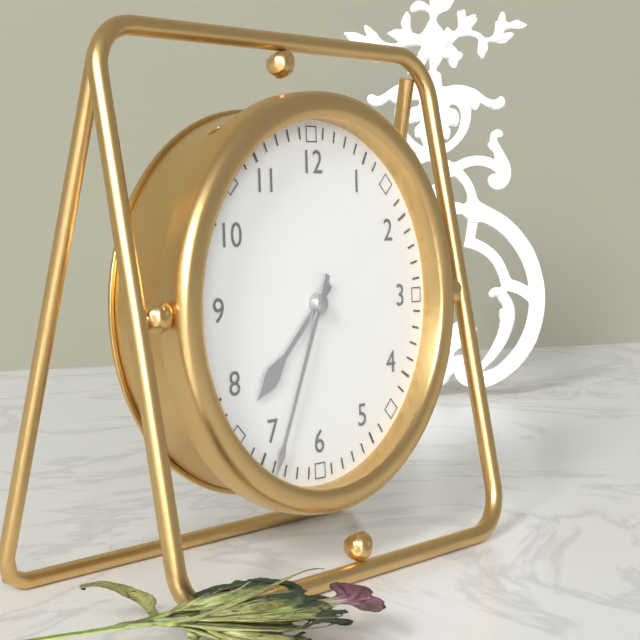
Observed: 7,34
